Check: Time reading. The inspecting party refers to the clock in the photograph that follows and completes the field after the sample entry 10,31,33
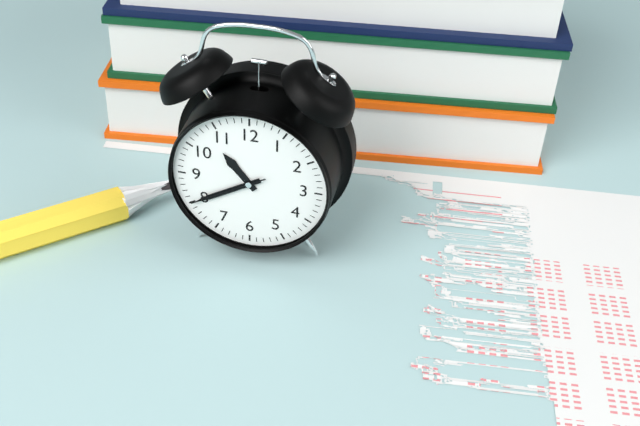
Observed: 10,40,40
